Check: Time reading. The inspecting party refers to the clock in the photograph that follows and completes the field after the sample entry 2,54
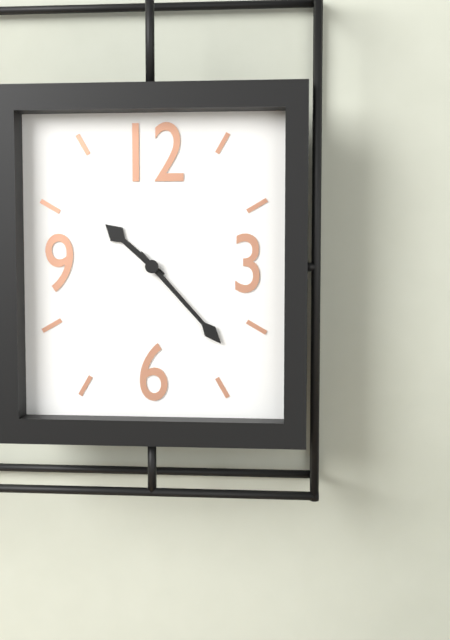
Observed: 10,23
